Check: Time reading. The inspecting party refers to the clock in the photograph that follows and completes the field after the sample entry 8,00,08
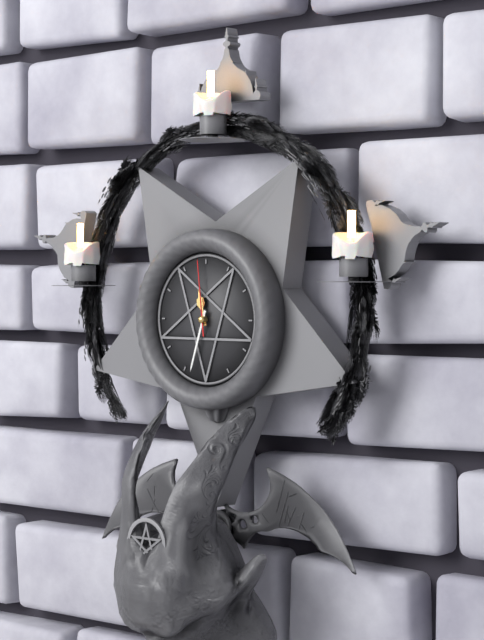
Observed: 11,33,59
